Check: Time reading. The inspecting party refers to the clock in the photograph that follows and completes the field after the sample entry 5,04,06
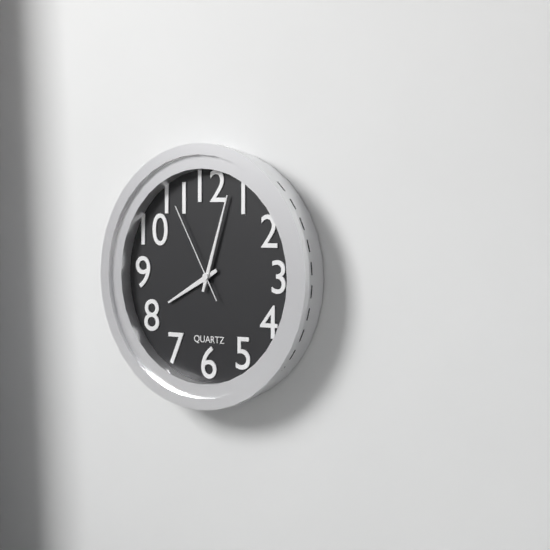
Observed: 8,03,55
